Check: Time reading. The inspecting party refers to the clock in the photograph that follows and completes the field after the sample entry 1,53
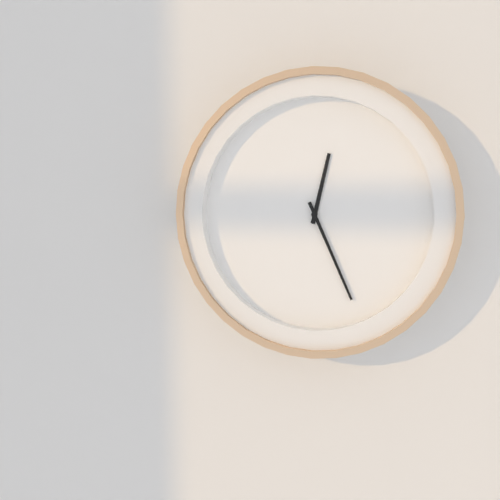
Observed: 12,26
